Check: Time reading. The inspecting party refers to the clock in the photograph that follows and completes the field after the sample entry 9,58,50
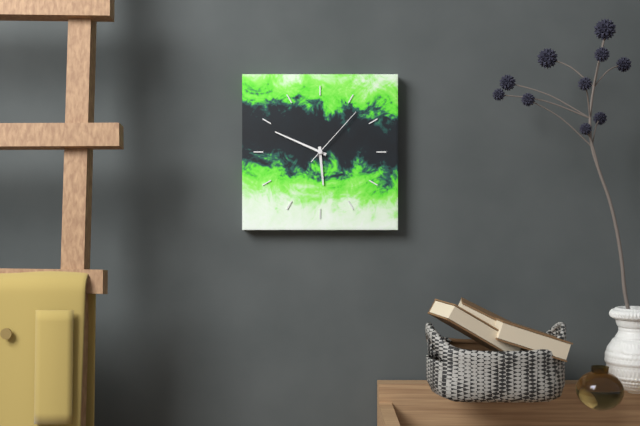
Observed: 5,49,07
